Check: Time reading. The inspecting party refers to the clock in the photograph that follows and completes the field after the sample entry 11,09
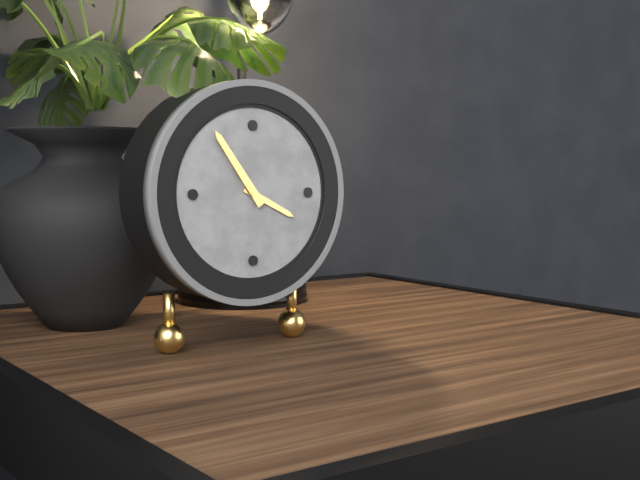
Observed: 3,54
